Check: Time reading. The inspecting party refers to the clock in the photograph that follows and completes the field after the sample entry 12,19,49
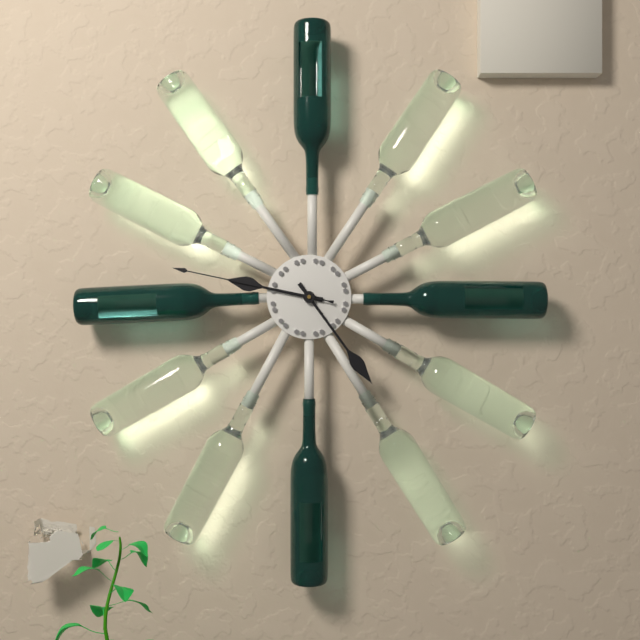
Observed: 9,24,47
